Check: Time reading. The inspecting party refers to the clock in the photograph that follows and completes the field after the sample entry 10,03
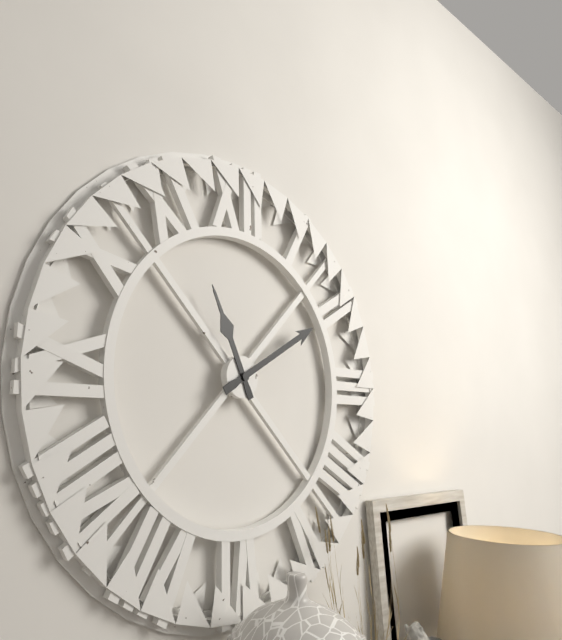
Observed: 11,10
